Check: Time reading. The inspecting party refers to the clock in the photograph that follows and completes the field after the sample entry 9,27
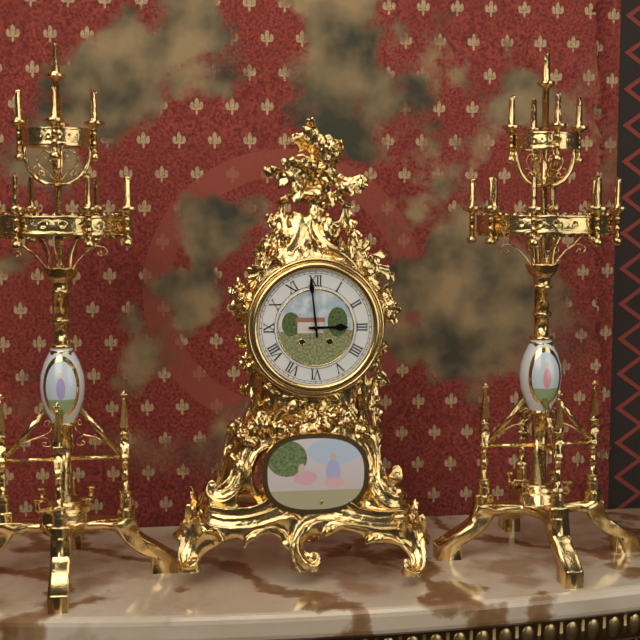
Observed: 2,59
